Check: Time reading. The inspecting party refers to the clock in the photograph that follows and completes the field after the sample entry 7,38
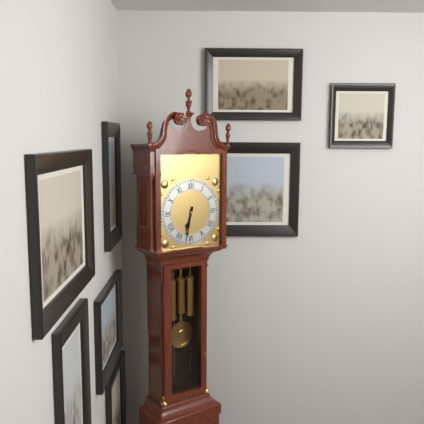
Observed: 6,32
